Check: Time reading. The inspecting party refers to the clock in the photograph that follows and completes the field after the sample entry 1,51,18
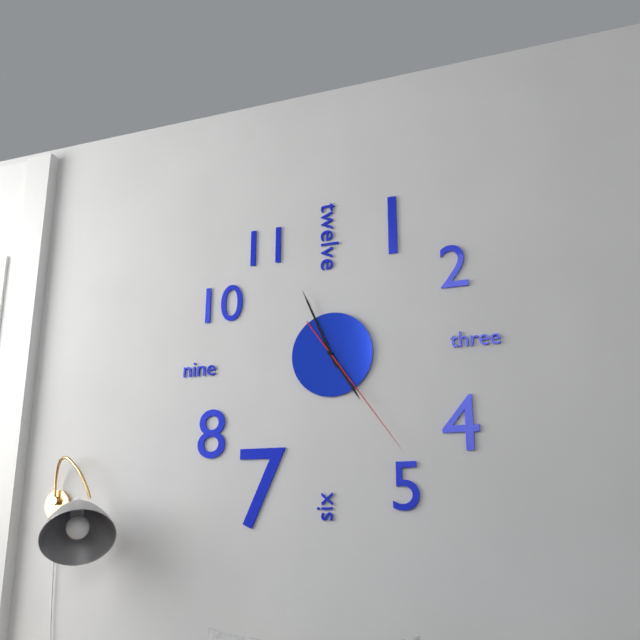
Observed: 4,56,24
